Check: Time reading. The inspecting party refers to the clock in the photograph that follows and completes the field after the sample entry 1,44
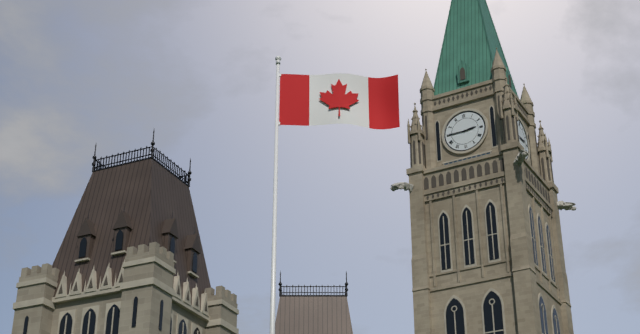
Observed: 2,45
